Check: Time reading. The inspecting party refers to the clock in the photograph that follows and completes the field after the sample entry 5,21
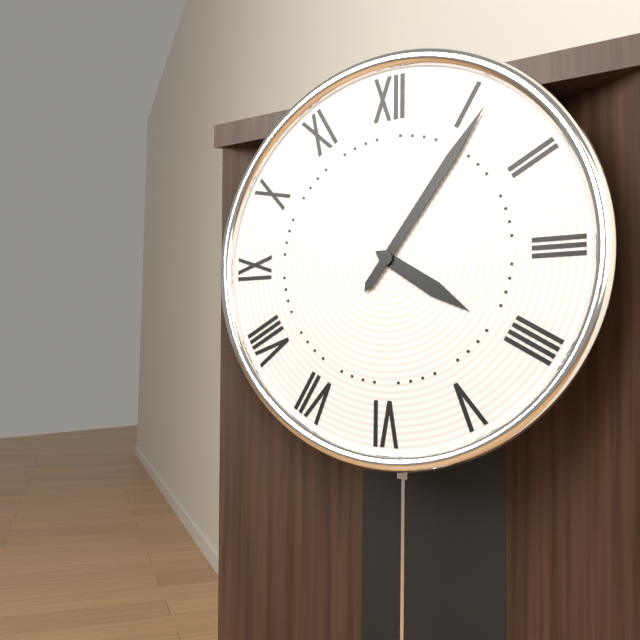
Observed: 4,06
